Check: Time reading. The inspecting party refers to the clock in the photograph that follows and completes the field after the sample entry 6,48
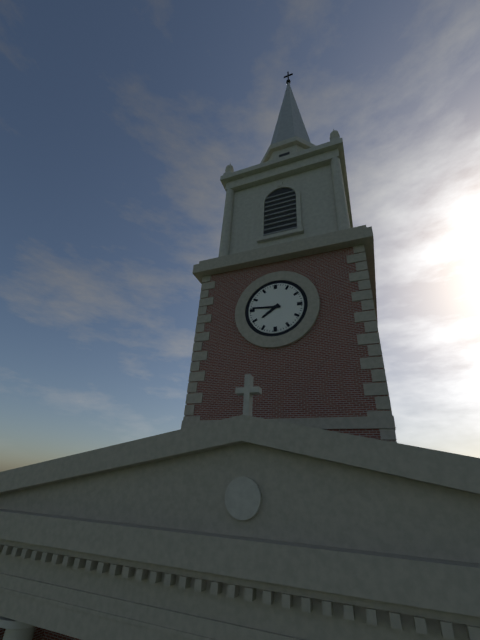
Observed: 7,46
